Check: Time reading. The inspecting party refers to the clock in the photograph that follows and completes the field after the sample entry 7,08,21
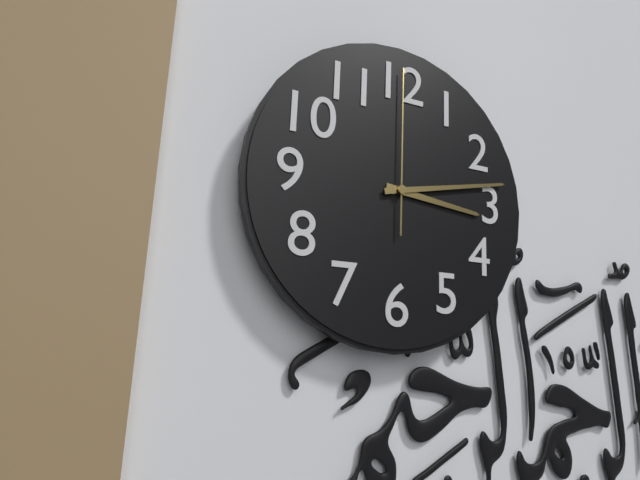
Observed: 3,13,00
